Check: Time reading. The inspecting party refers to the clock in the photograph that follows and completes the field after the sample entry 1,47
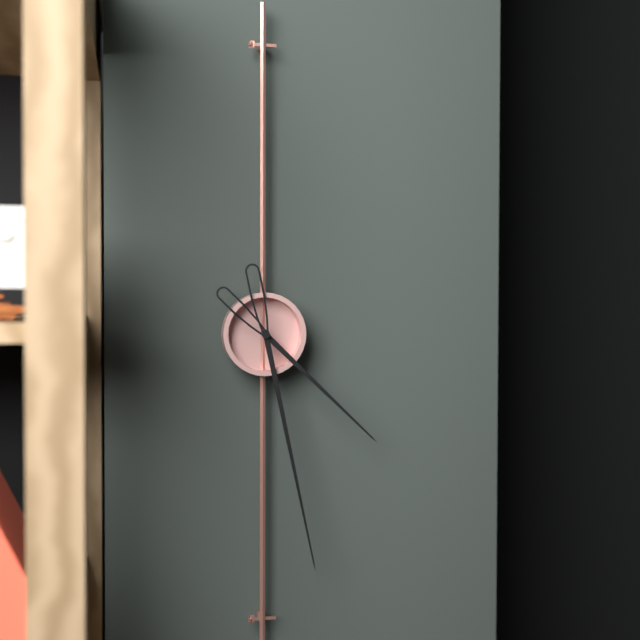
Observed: 4,28
